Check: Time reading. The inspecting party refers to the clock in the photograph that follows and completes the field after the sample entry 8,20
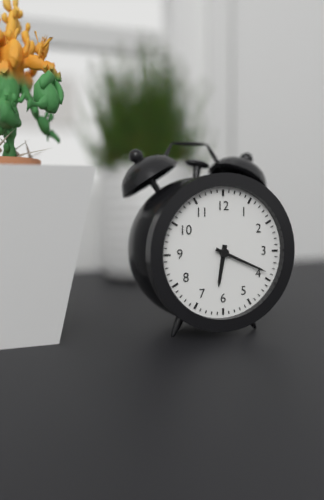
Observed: 6,19
